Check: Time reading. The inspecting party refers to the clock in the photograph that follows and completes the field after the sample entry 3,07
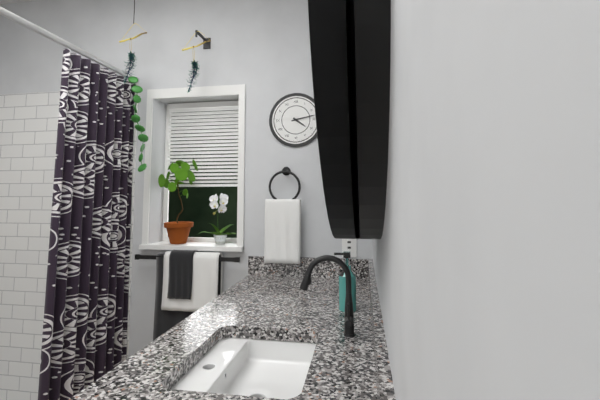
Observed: 4,13
